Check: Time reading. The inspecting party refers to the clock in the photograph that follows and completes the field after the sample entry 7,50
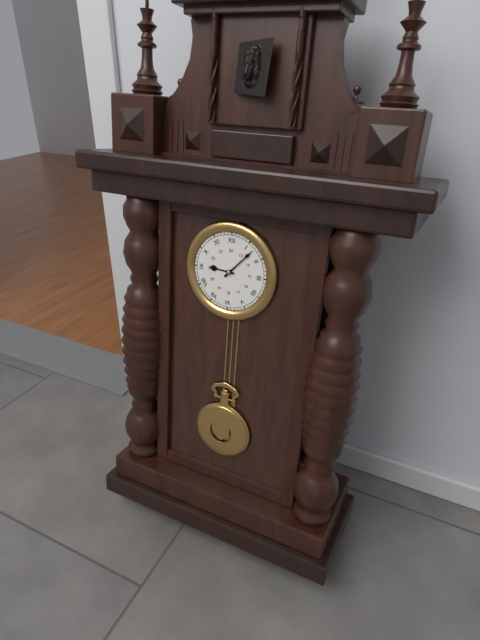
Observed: 9,07
